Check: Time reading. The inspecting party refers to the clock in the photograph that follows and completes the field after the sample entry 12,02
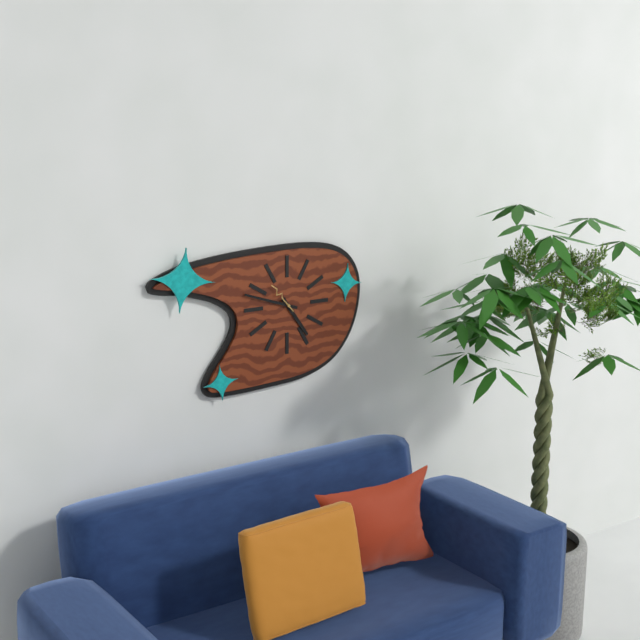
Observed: 4,48
